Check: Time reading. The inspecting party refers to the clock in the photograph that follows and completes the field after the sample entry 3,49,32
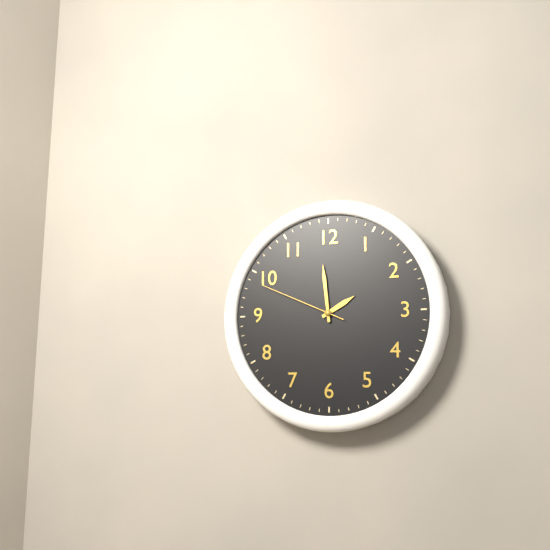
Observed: 1,59,49
